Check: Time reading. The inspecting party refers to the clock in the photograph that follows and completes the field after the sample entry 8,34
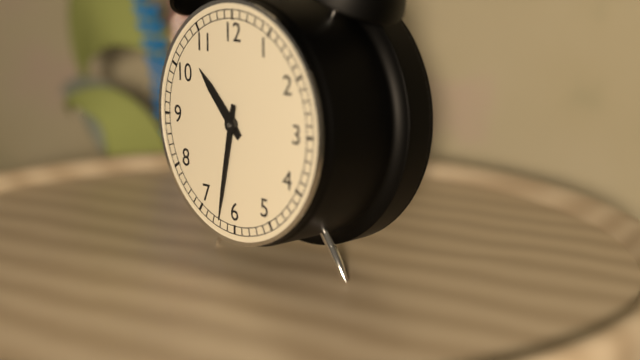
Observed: 10,32
